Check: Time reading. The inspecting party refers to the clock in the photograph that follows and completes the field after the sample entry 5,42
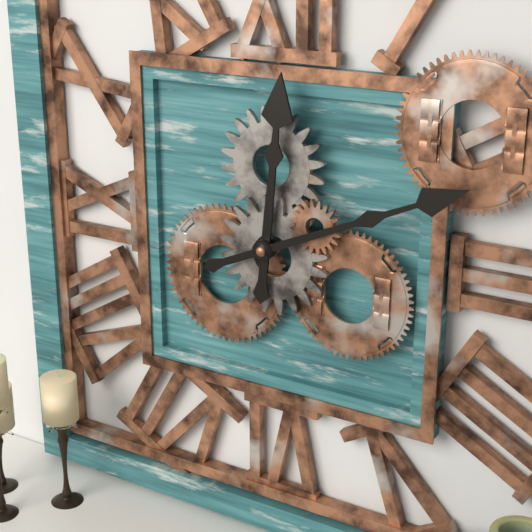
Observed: 12,11
